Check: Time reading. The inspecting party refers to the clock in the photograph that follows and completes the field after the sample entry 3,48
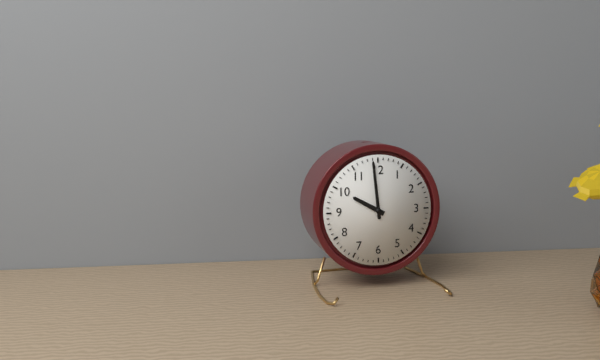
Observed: 9,59
